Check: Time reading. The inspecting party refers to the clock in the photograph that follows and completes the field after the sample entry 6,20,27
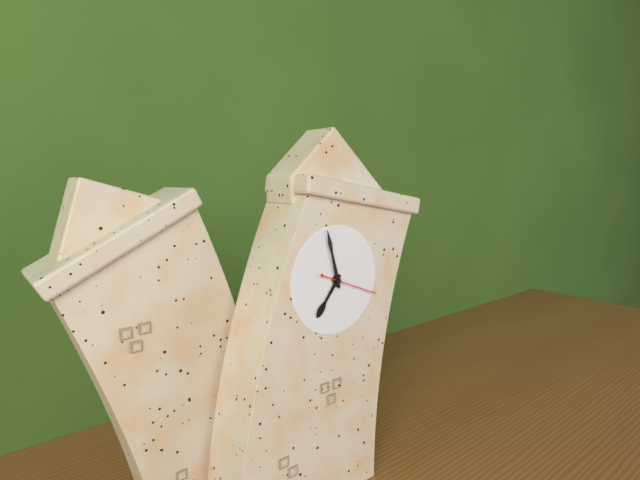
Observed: 6,56,17
